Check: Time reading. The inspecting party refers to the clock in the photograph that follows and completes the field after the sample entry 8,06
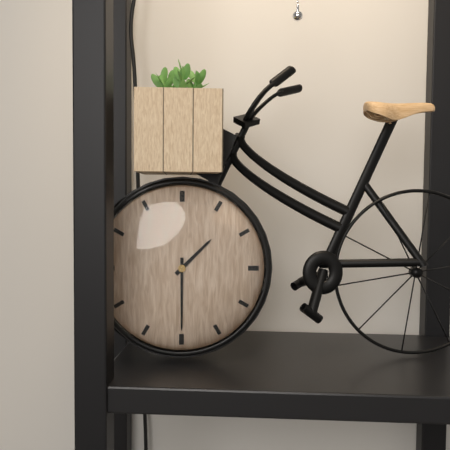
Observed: 1,30
